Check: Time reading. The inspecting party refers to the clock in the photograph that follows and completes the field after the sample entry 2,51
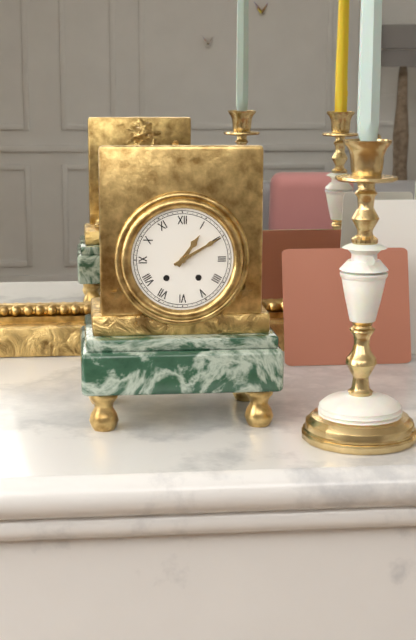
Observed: 1,10
